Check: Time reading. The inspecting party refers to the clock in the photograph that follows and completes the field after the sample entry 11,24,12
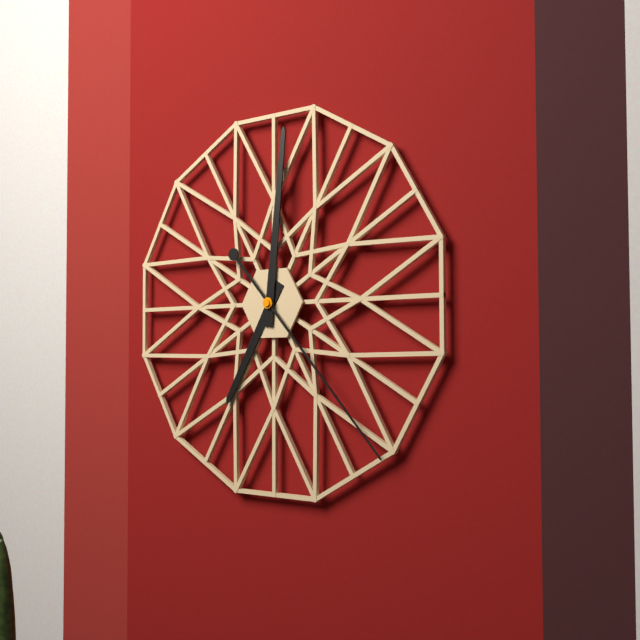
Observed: 7,01,23
